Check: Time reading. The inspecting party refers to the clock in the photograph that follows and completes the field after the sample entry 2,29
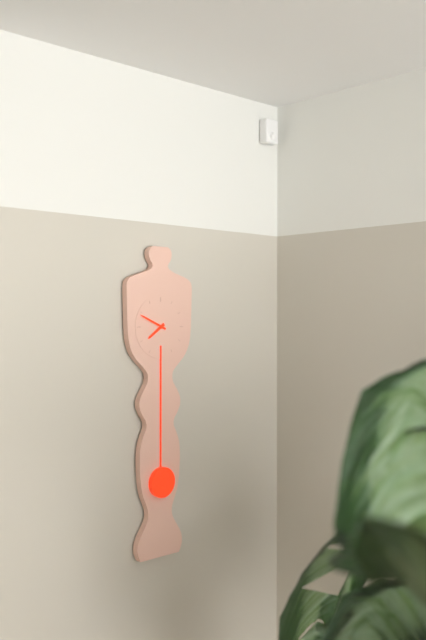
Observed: 7,49
